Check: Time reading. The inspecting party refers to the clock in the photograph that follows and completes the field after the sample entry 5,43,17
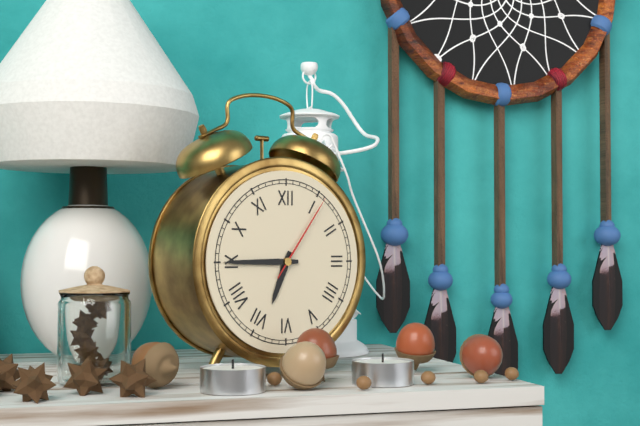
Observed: 6,45,06
